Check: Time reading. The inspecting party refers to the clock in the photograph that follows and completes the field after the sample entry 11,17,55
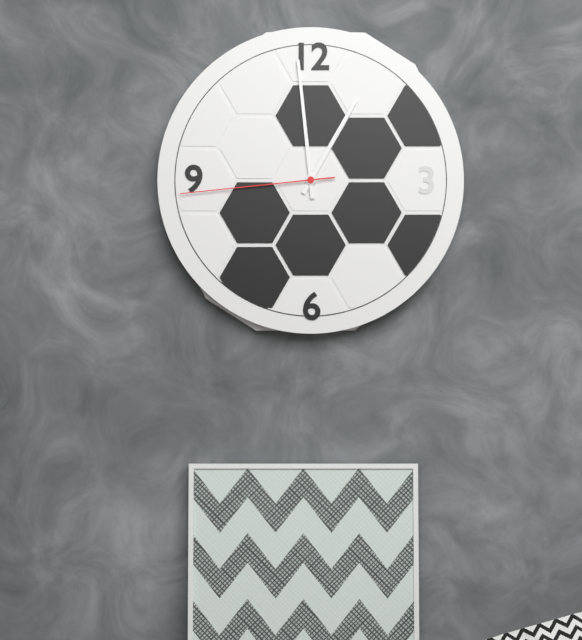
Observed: 12,59,44
